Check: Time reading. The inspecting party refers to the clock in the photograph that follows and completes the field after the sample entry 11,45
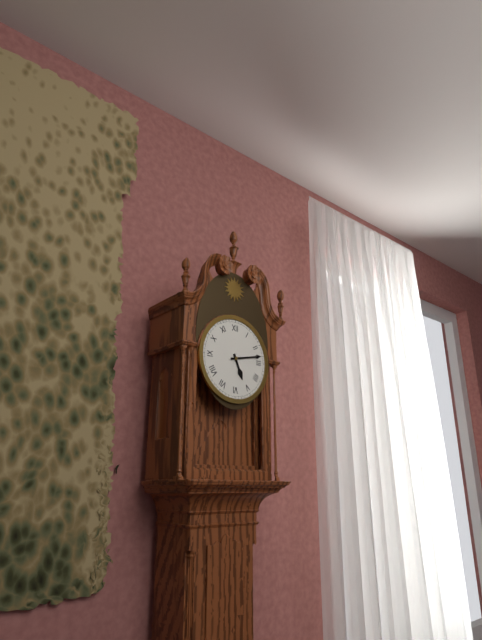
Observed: 5,13
